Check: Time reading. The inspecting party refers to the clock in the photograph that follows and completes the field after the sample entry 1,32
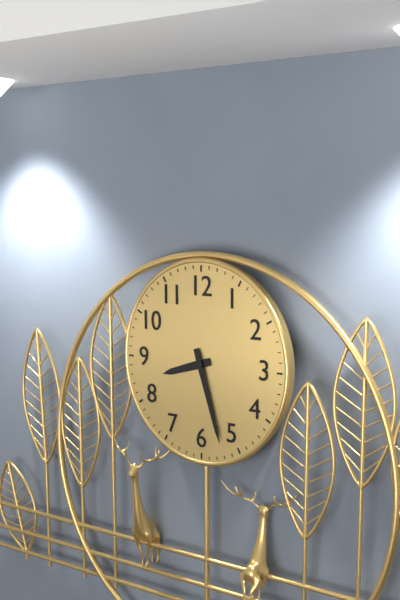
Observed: 8,27
